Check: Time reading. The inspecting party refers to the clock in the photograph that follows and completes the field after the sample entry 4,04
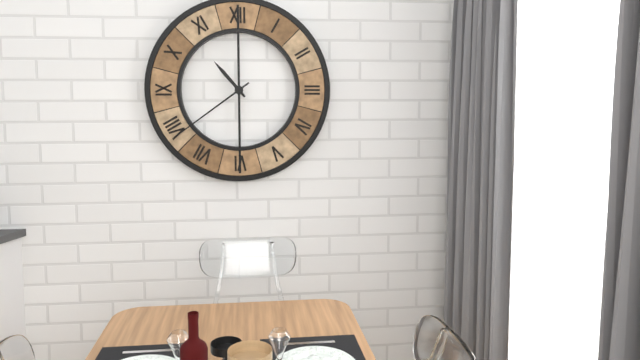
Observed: 10,39
